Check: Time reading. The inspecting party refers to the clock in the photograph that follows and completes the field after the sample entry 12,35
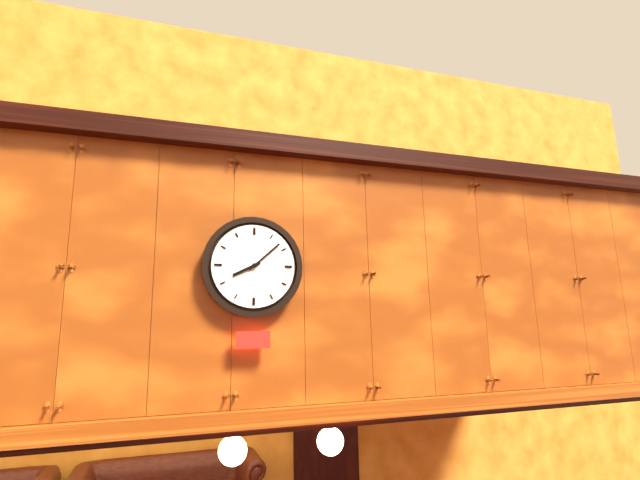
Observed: 8,08
